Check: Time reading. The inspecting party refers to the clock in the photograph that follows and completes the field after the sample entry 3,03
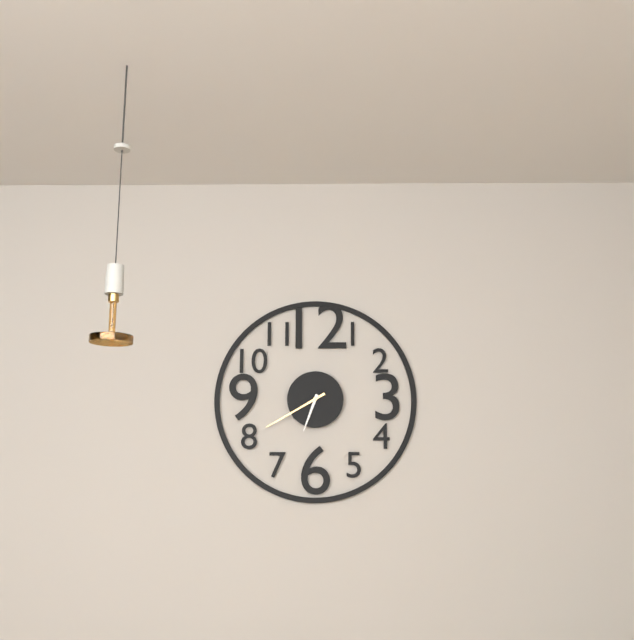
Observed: 6,40
